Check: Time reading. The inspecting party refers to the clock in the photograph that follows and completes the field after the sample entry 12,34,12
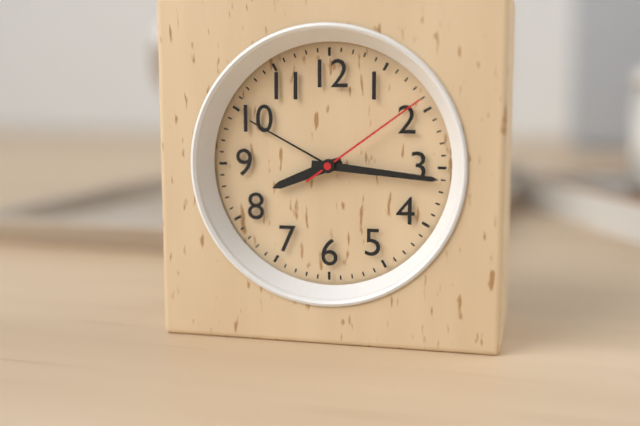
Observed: 8,16,09
